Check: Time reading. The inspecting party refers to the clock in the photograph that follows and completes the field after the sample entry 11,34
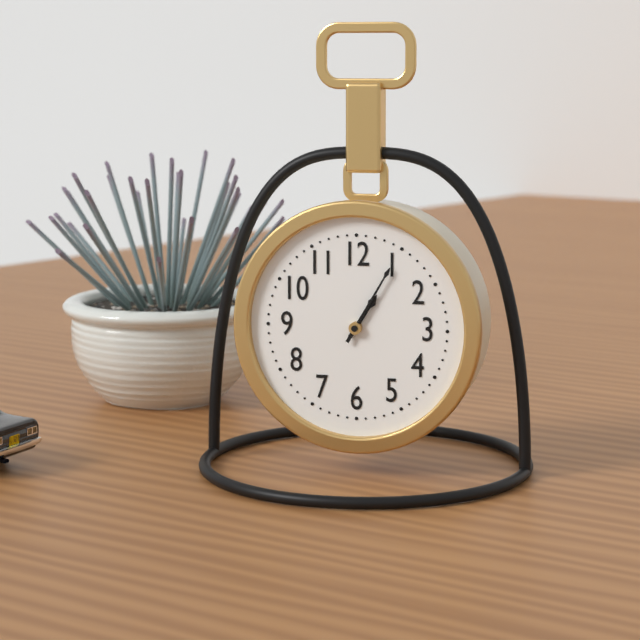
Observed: 1,05
